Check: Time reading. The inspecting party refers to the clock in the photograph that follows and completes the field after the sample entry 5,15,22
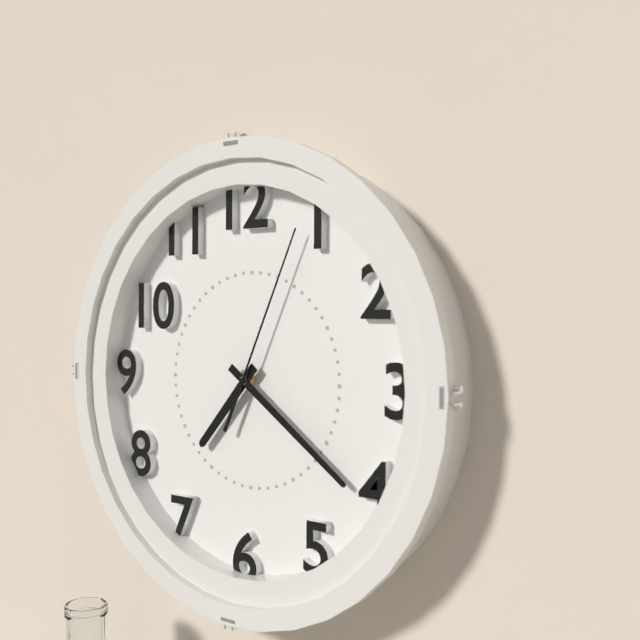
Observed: 7,21,04
